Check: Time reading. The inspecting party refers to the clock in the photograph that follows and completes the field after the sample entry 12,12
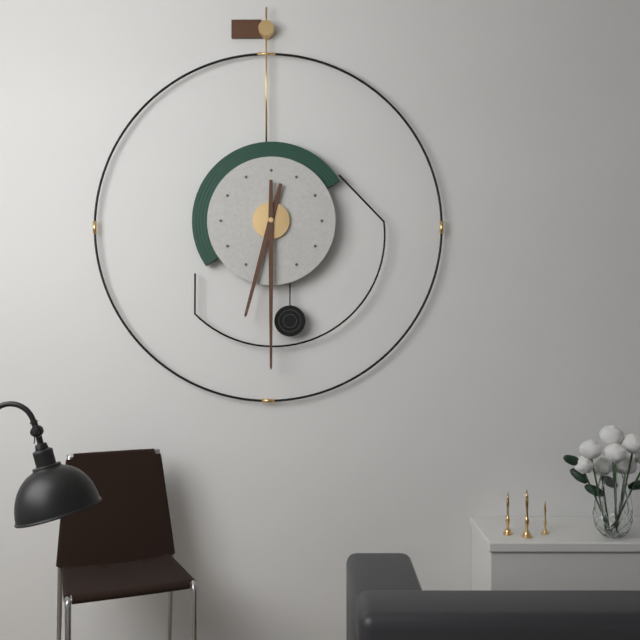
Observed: 6,30
